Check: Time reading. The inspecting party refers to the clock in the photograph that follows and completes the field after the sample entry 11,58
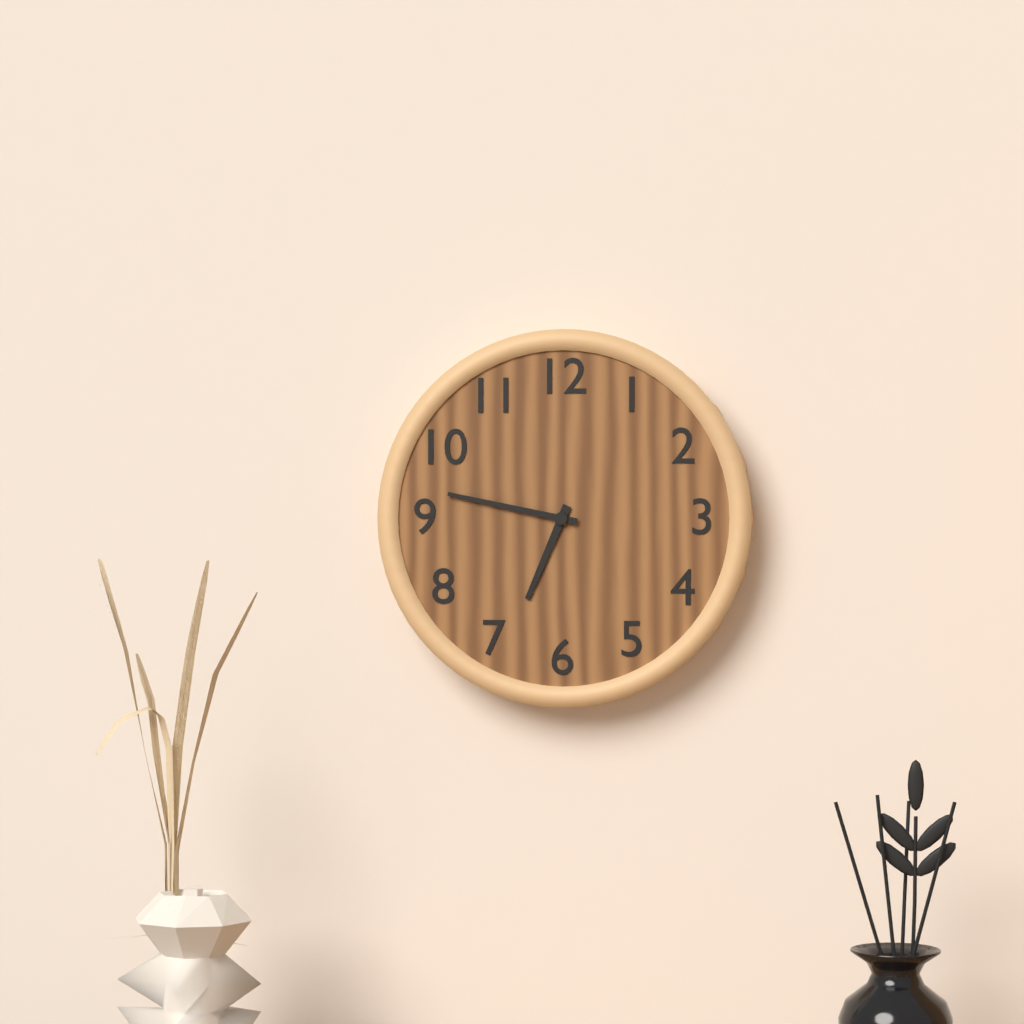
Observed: 6,47
